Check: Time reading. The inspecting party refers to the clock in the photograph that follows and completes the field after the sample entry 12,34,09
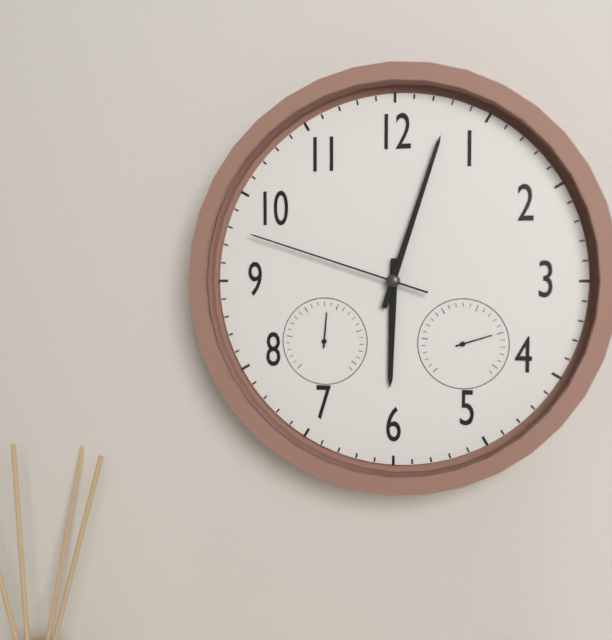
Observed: 6,03,48
